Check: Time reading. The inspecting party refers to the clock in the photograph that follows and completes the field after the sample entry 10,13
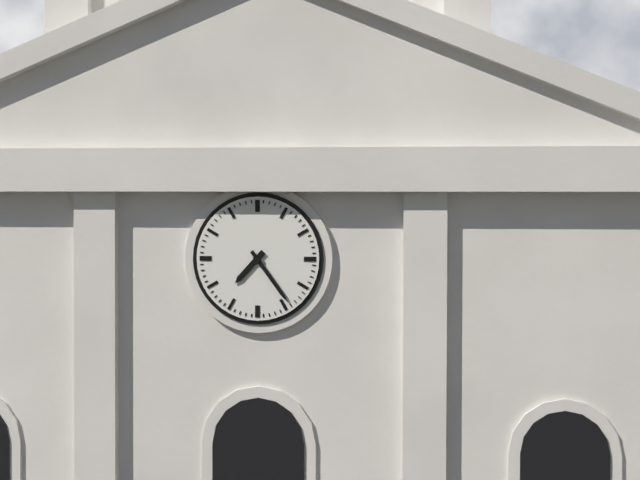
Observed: 7,24
